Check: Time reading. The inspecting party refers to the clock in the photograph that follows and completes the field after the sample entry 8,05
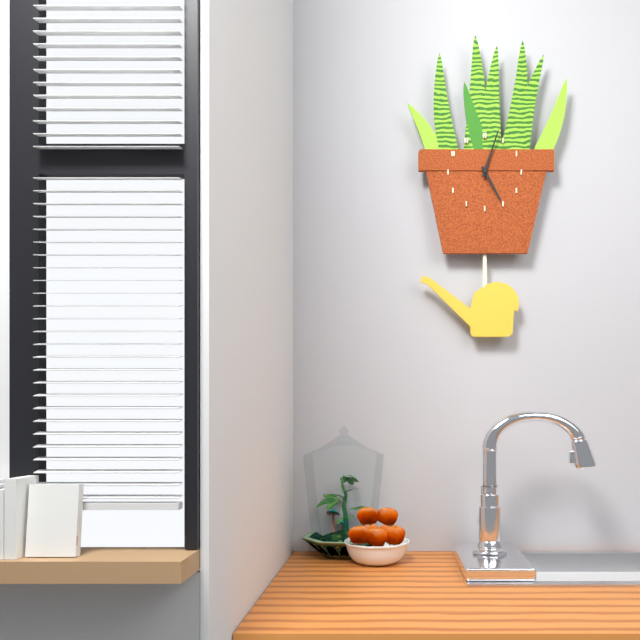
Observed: 5,03
